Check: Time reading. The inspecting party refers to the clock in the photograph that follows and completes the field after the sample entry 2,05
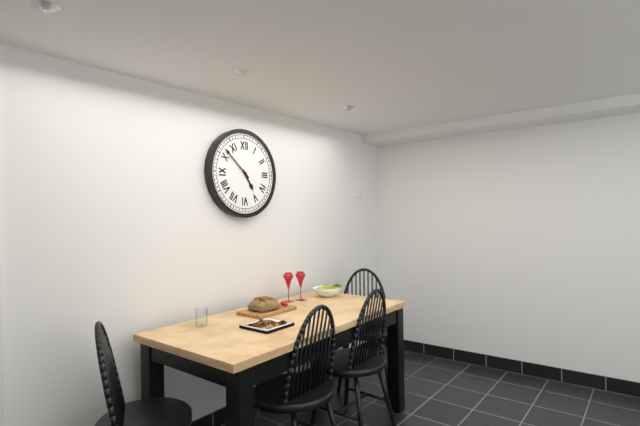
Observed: 4,52
